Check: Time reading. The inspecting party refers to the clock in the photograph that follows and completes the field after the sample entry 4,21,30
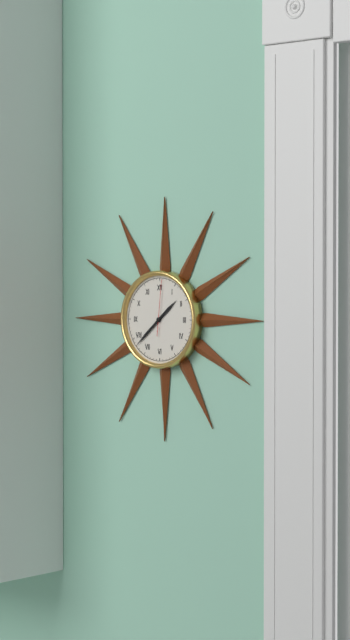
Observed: 1,38,01
